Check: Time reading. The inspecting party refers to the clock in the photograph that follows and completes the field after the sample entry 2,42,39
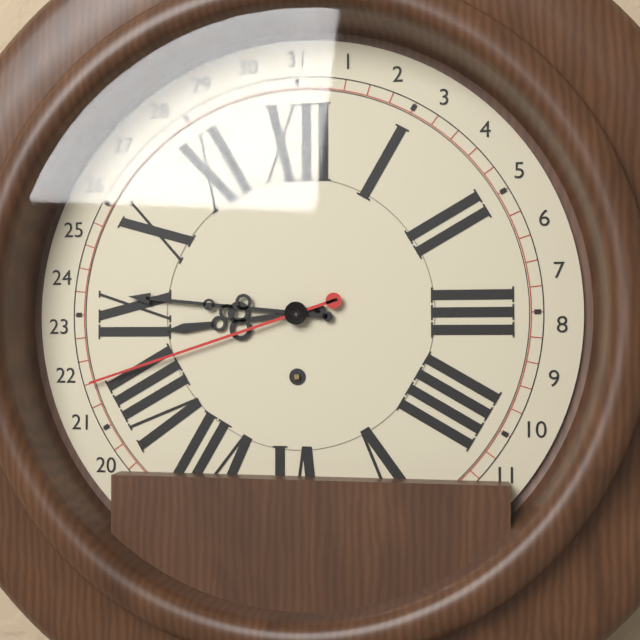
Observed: 8,46,42
